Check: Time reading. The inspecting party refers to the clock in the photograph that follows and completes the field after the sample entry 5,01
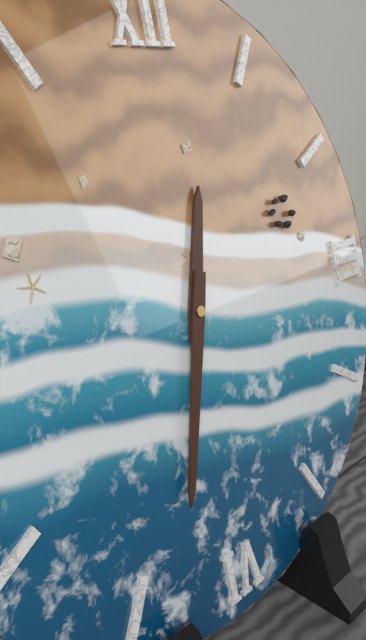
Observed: 12,33
